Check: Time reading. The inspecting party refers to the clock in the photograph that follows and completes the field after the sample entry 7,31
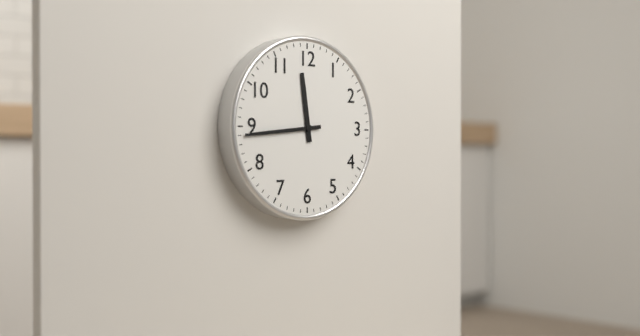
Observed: 11,44
